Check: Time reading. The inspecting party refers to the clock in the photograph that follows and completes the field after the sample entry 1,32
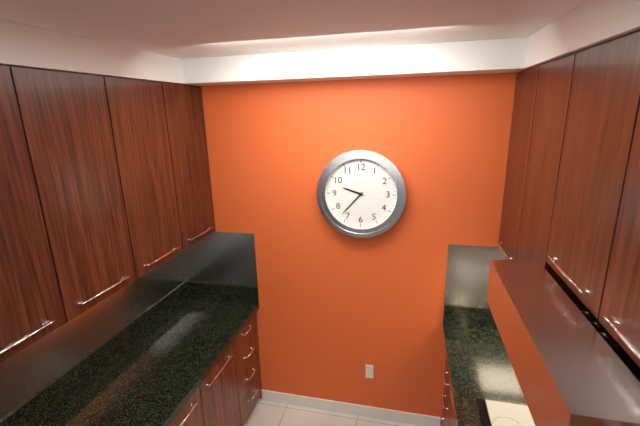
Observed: 9,37
